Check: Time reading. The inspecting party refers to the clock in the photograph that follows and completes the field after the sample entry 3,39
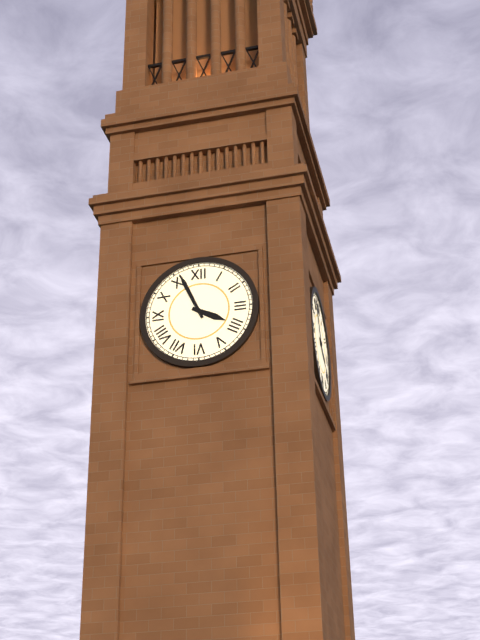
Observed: 3,56
